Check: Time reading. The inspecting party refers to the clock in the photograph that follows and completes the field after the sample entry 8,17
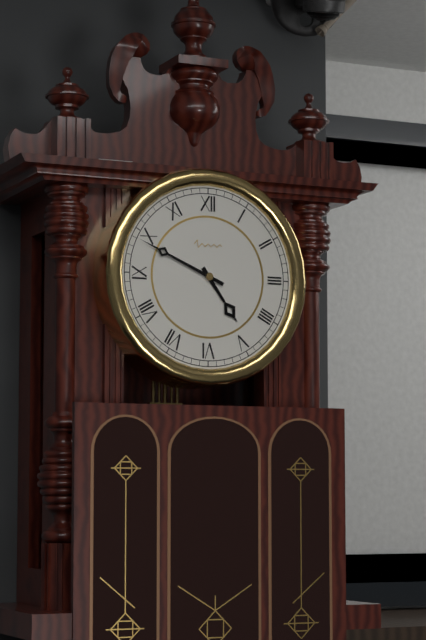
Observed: 4,49
